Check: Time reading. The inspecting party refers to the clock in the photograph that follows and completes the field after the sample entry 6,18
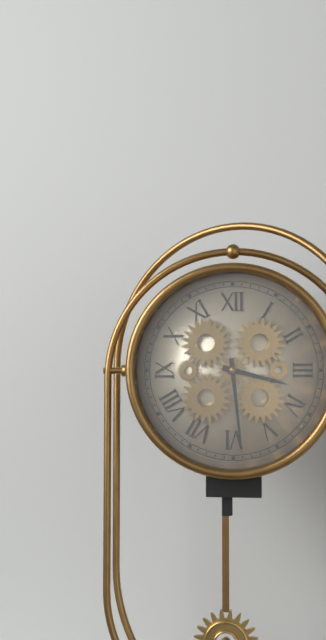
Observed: 3,29
